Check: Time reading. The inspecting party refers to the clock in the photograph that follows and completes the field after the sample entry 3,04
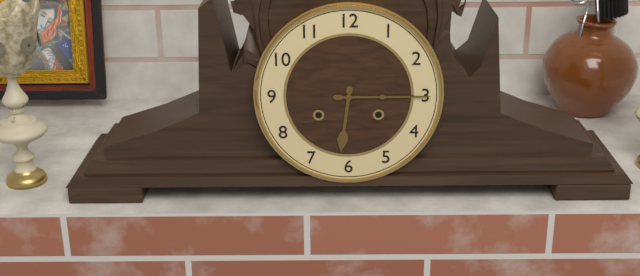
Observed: 6,15
